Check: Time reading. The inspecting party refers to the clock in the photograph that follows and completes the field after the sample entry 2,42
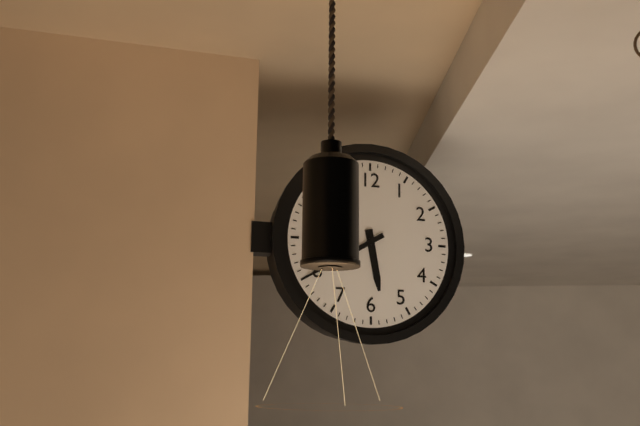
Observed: 5,40
